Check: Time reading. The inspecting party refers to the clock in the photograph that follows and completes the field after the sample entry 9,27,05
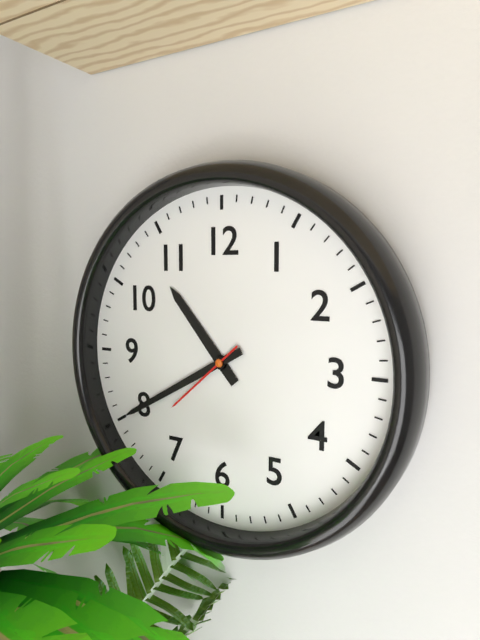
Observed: 10,40,38
